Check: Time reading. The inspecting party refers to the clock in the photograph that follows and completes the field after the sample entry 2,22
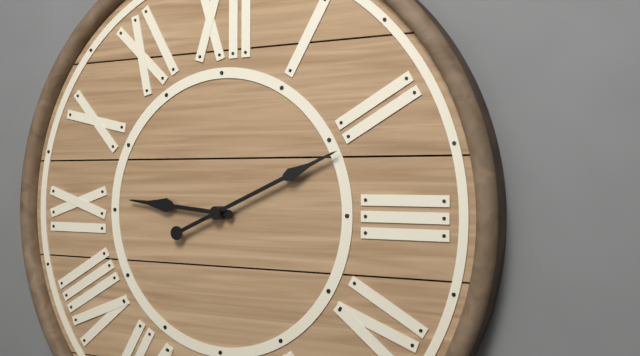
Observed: 9,11
